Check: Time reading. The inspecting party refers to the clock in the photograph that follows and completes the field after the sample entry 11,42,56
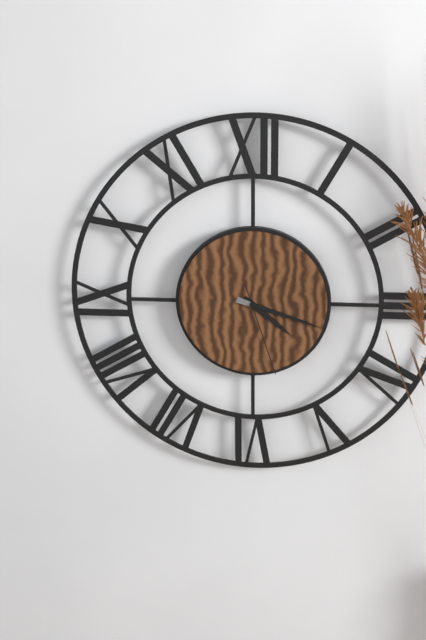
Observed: 4,18,27
